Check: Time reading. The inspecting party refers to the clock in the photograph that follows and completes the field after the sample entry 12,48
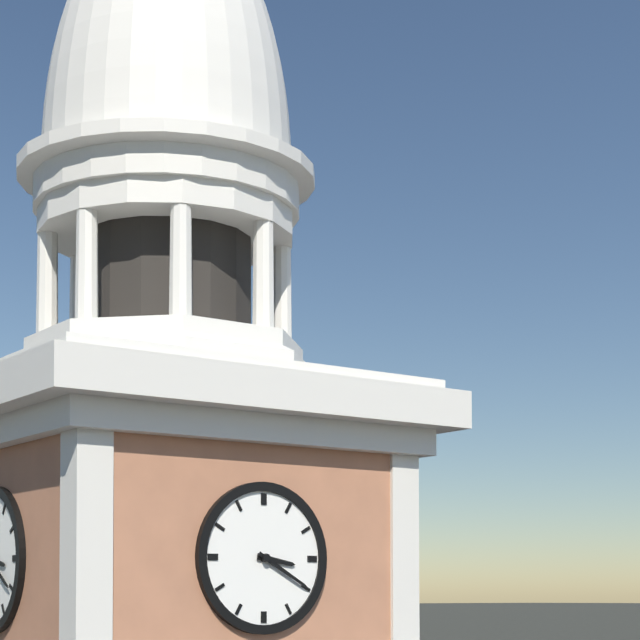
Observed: 3,20
